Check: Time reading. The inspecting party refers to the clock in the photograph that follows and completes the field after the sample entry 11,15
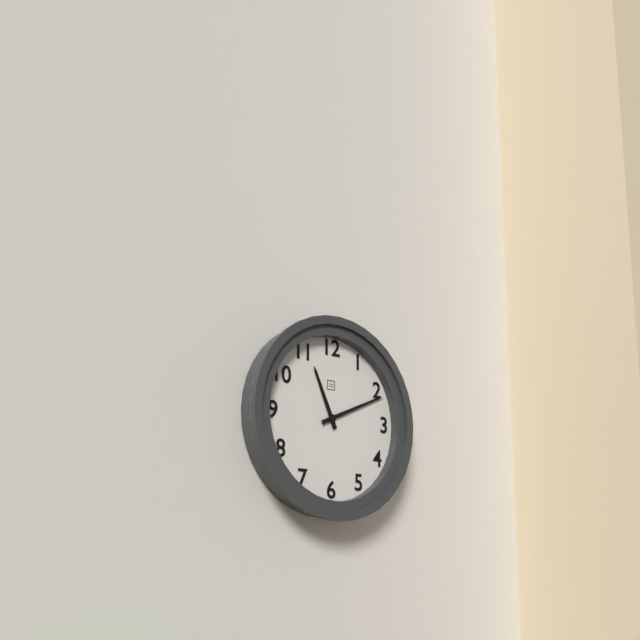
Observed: 11,11
